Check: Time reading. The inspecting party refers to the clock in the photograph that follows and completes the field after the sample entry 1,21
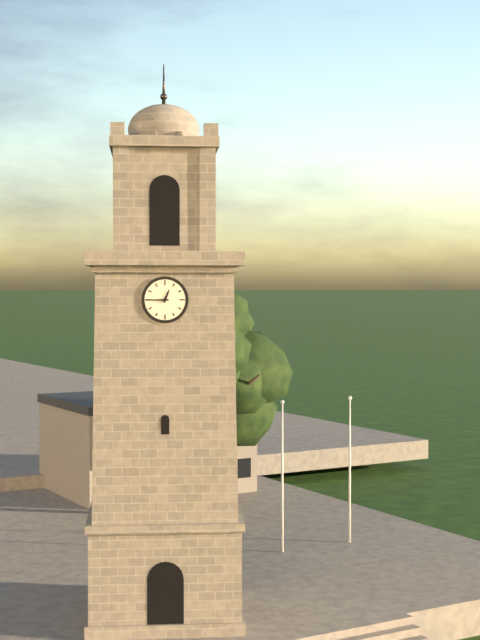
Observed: 12,45
